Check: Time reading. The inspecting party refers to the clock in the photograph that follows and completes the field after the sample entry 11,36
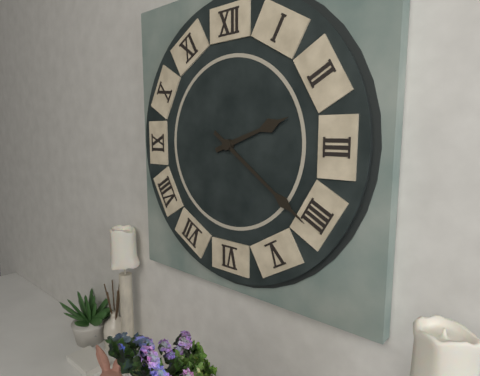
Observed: 2,21
